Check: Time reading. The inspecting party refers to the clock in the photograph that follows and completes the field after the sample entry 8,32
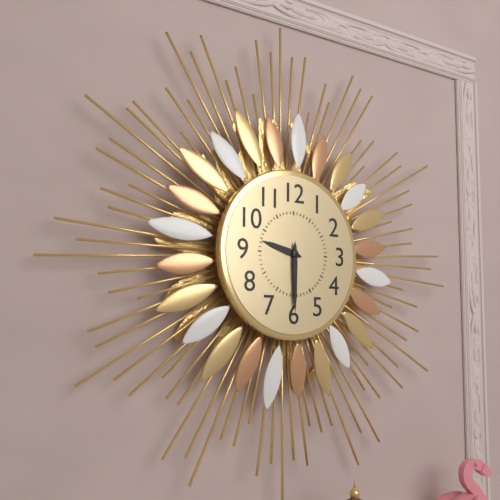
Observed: 9,30
